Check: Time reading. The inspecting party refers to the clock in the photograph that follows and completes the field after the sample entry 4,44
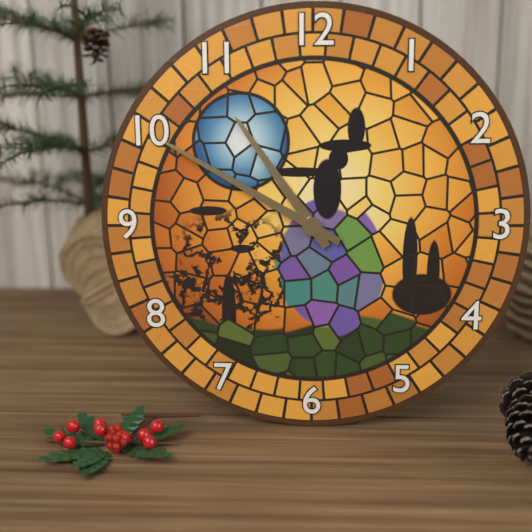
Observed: 10,50
